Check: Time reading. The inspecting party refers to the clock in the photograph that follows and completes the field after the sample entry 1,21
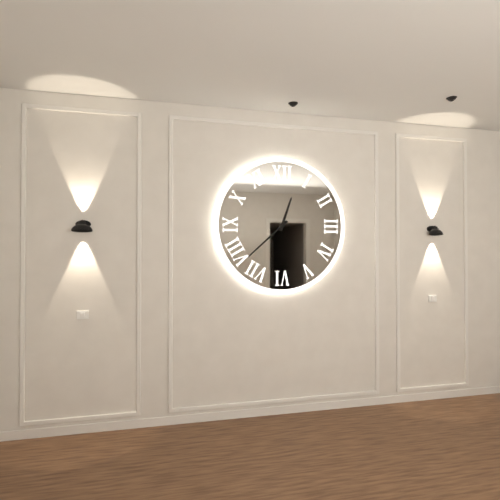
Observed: 12,38
